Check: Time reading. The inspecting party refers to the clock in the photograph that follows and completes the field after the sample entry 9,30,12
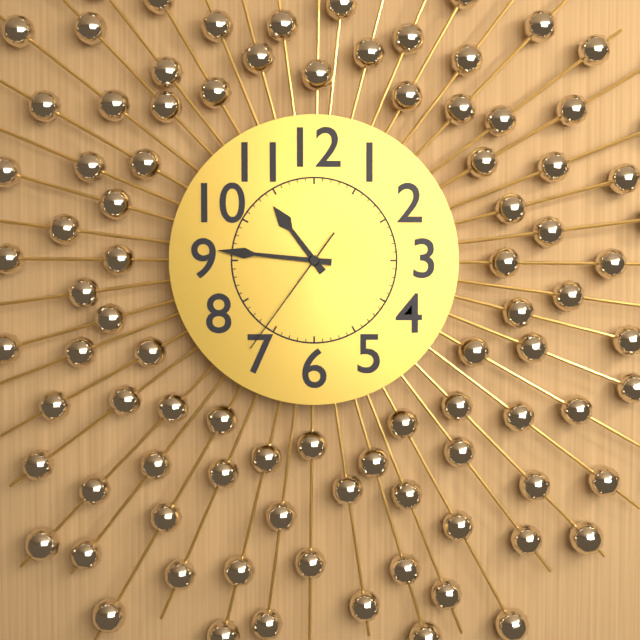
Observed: 10,46,36
